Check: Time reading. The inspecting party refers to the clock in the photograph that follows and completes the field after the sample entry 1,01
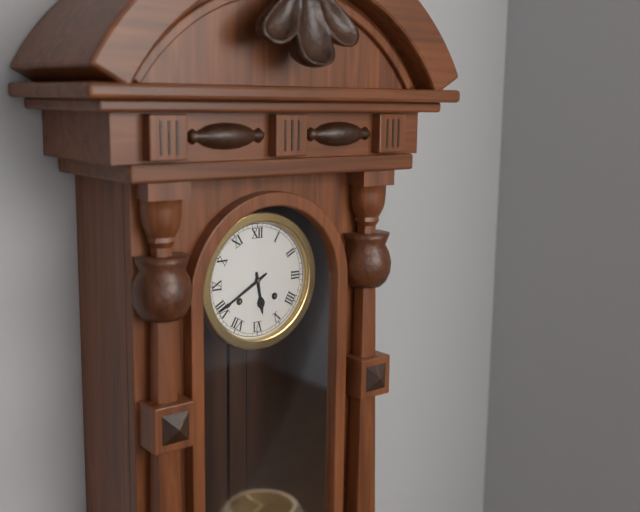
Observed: 5,40
